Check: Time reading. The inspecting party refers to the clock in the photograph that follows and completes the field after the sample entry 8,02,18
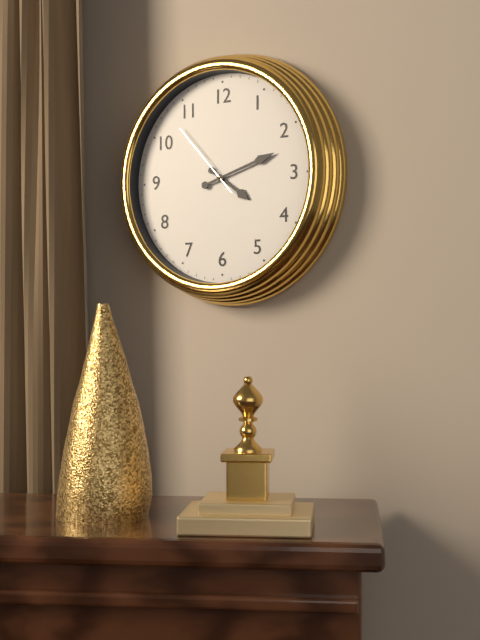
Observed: 4,12,53
